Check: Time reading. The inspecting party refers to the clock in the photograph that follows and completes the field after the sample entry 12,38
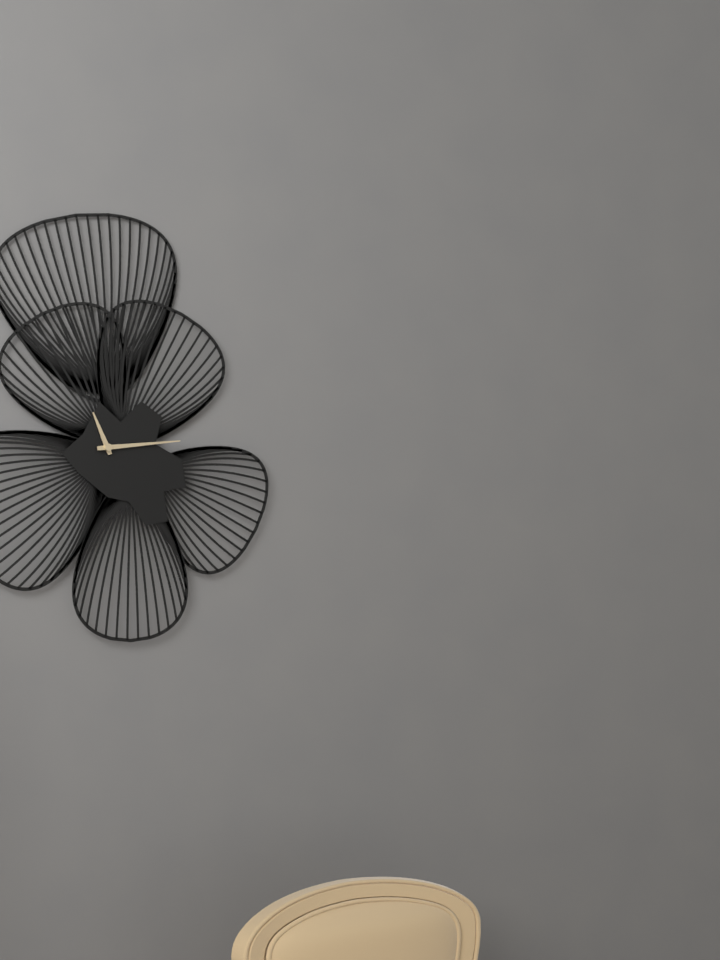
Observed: 11,14
